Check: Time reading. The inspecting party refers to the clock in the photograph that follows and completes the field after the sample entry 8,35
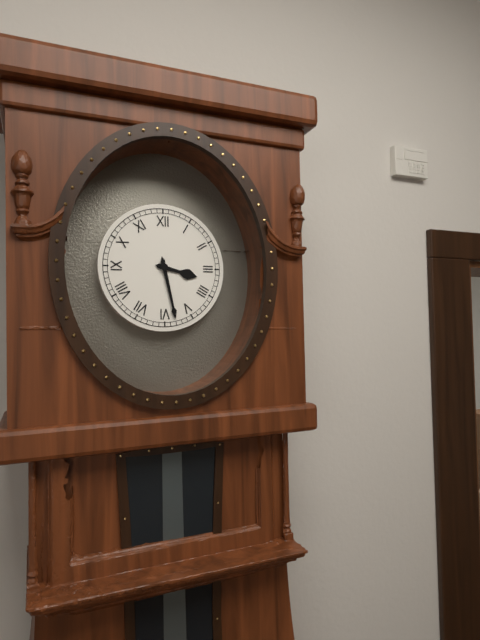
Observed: 3,28
